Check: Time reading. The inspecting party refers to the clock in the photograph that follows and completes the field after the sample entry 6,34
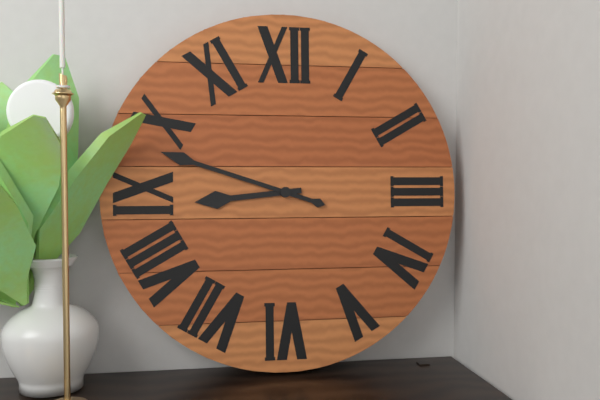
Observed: 8,48
